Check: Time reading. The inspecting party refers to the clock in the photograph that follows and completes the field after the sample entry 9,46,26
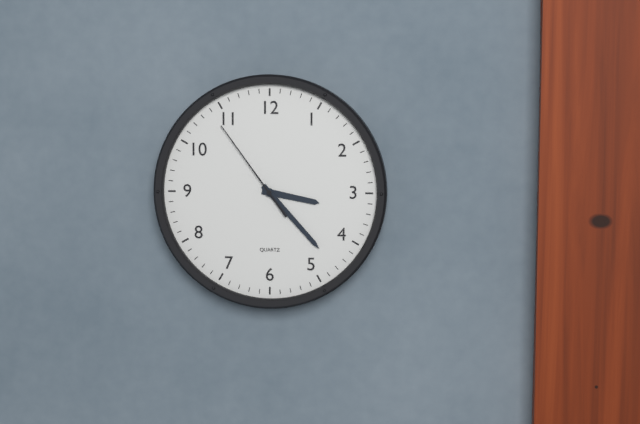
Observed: 3,23,54
